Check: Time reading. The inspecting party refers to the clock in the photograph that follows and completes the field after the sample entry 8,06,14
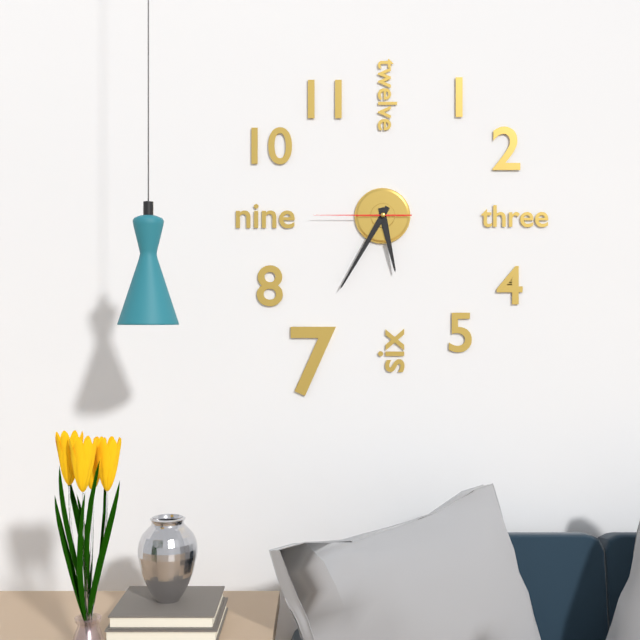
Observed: 5,35,45
